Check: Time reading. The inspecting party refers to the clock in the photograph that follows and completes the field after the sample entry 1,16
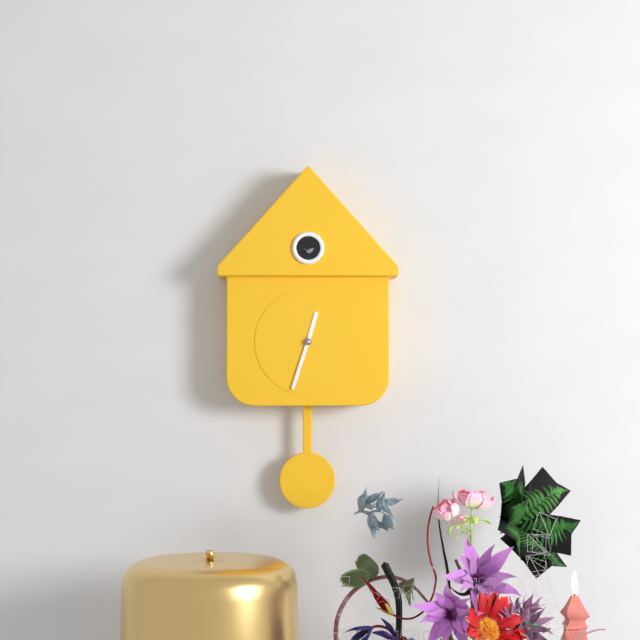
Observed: 12,33
